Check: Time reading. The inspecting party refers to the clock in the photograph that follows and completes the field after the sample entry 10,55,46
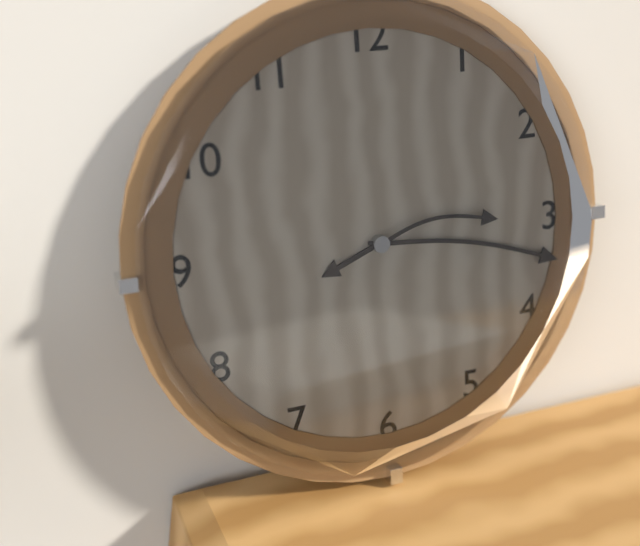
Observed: 8,17,14
